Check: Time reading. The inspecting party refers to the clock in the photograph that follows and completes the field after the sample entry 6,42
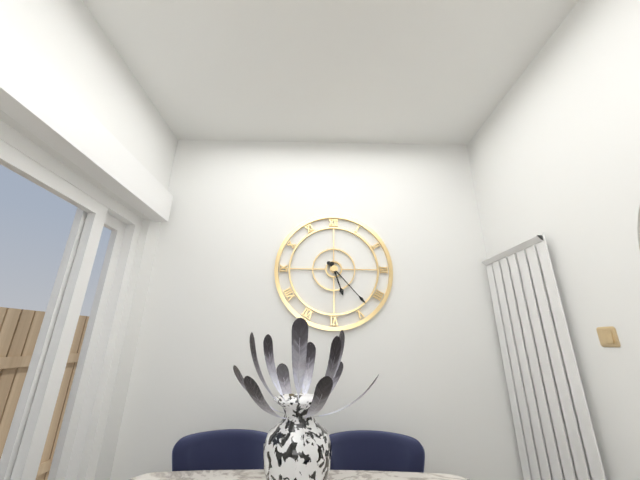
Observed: 5,23
